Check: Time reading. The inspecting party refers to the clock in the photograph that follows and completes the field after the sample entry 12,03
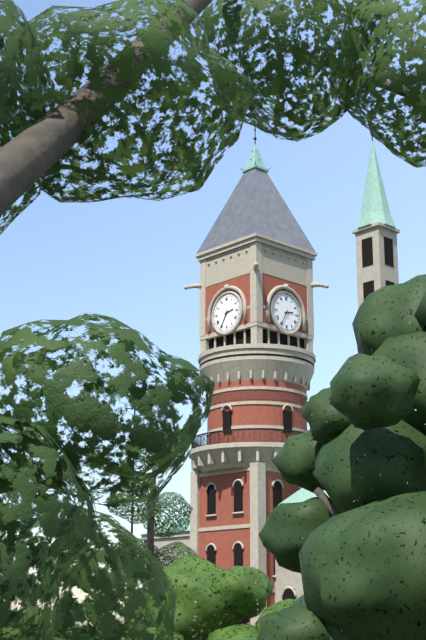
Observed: 2,35
